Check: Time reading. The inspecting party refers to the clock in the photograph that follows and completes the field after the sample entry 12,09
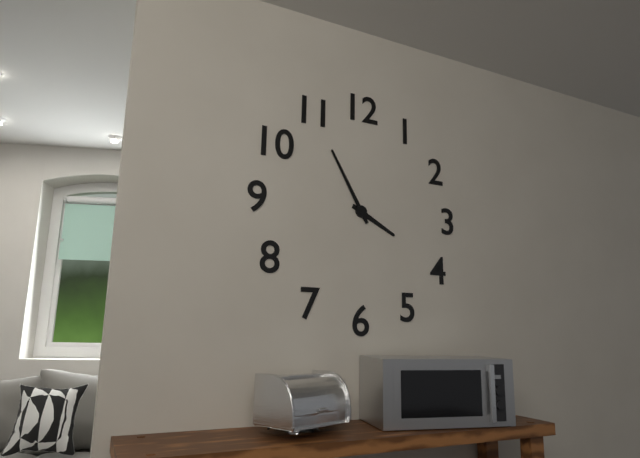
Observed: 3,55
